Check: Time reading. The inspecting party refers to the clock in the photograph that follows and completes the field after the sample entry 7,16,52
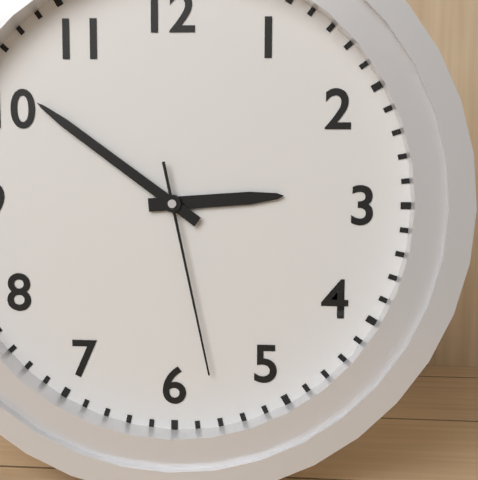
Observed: 2,51,28
